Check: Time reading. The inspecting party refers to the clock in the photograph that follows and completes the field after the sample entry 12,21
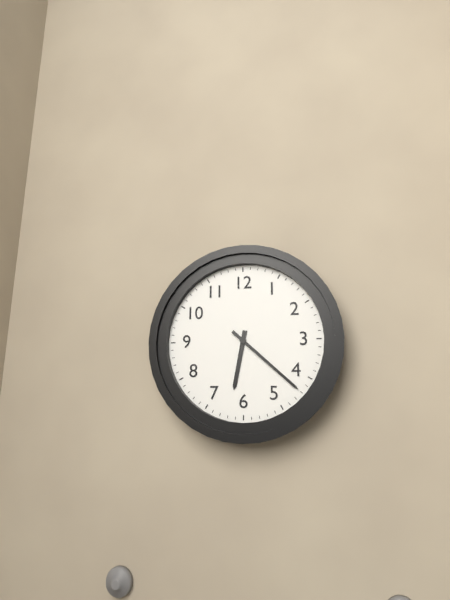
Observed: 6,22
